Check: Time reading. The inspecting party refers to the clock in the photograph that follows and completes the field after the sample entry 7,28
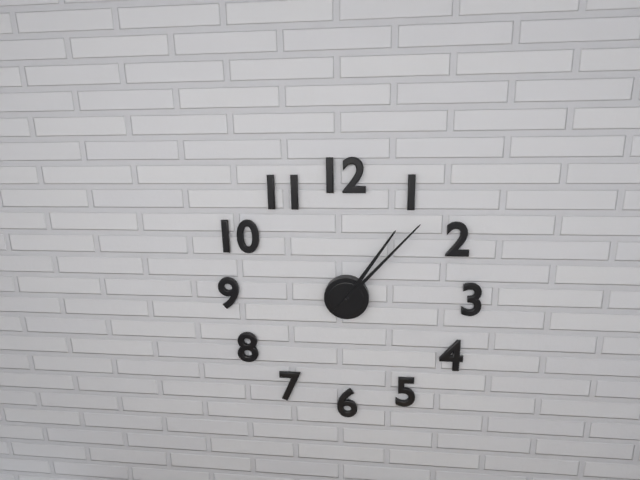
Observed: 1,07
